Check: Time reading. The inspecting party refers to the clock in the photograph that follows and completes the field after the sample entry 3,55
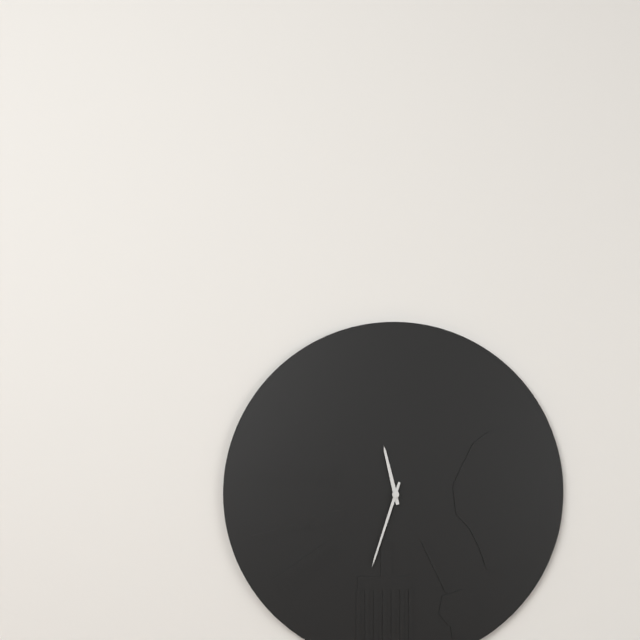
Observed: 11,33
